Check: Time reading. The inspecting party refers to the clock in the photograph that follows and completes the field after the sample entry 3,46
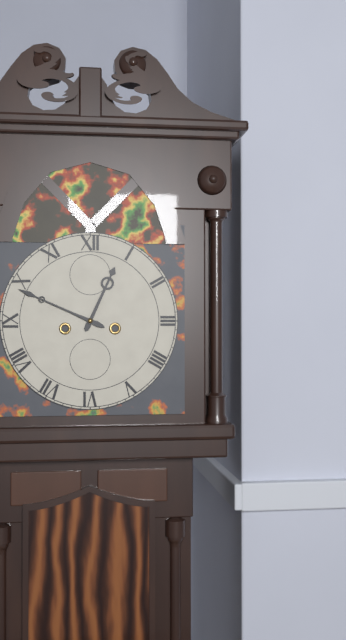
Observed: 12,49
